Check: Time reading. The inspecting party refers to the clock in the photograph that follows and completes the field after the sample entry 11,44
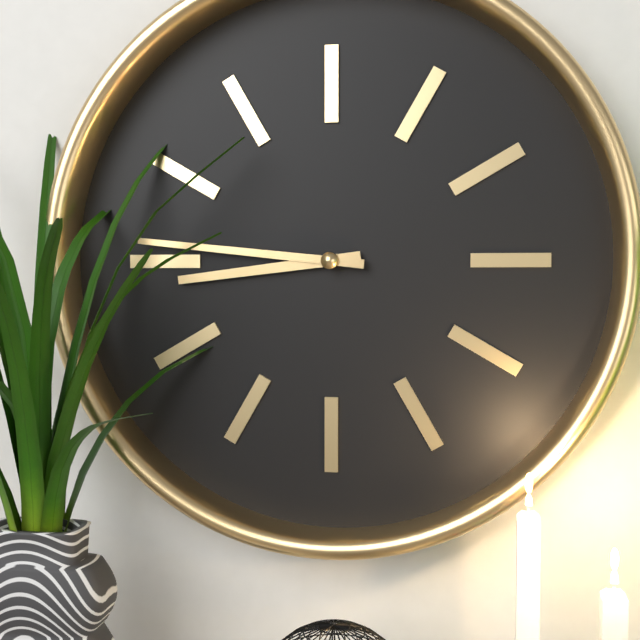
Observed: 8,46
